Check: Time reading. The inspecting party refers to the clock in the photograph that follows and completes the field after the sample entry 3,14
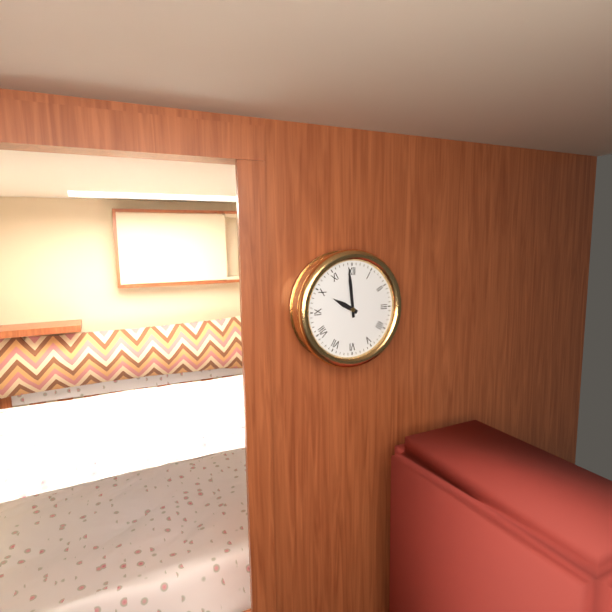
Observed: 9,59
